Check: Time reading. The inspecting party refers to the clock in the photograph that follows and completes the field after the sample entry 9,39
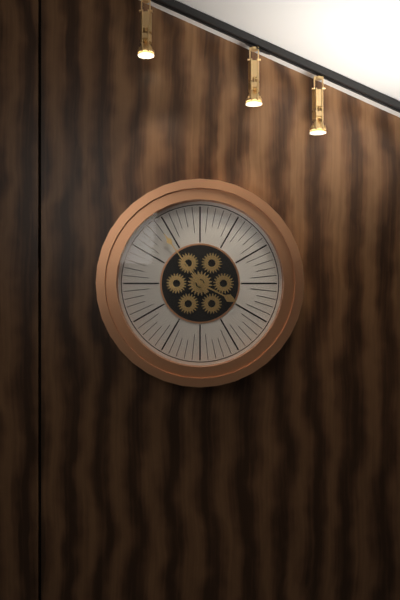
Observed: 3,54
